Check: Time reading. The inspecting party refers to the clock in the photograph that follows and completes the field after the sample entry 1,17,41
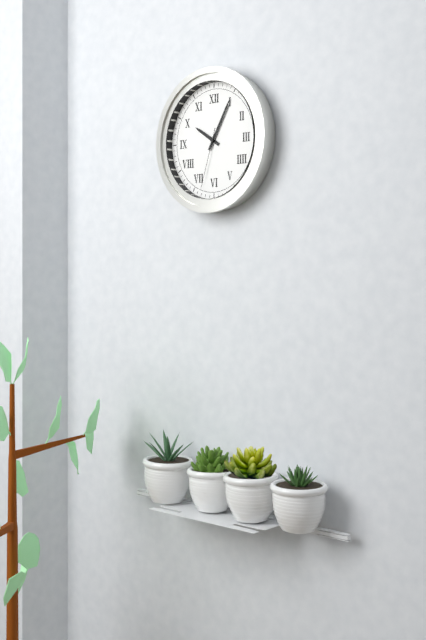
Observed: 10,05,33
